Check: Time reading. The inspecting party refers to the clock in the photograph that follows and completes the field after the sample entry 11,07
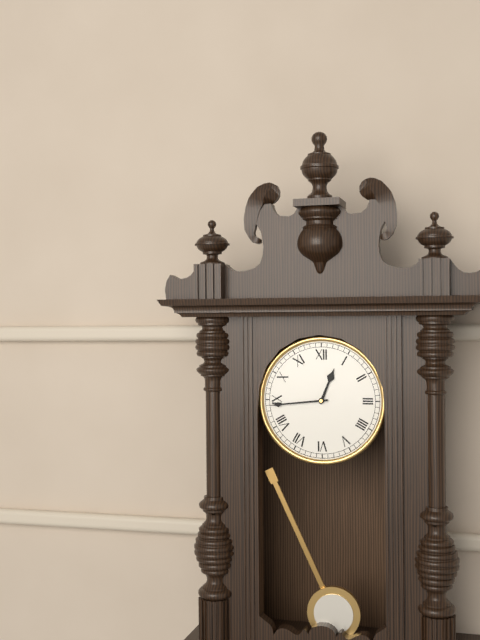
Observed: 12,44
